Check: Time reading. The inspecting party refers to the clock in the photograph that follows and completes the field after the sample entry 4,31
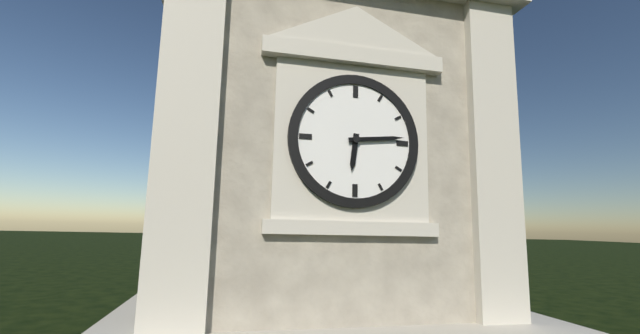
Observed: 6,14
